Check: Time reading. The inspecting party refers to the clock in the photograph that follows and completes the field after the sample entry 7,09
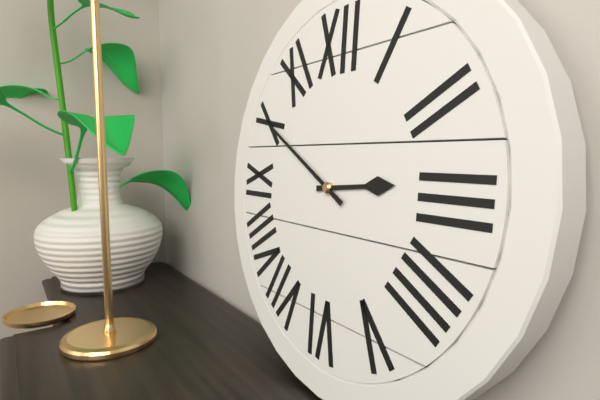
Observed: 2,50
